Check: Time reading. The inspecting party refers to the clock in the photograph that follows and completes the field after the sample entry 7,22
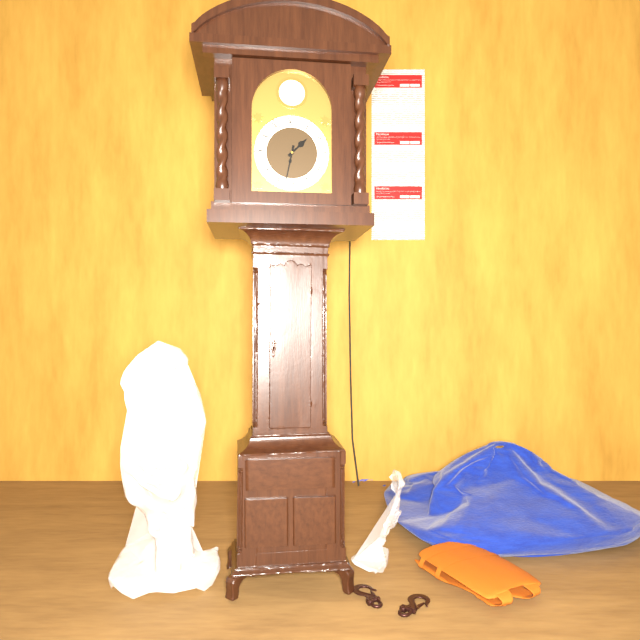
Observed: 1,32
